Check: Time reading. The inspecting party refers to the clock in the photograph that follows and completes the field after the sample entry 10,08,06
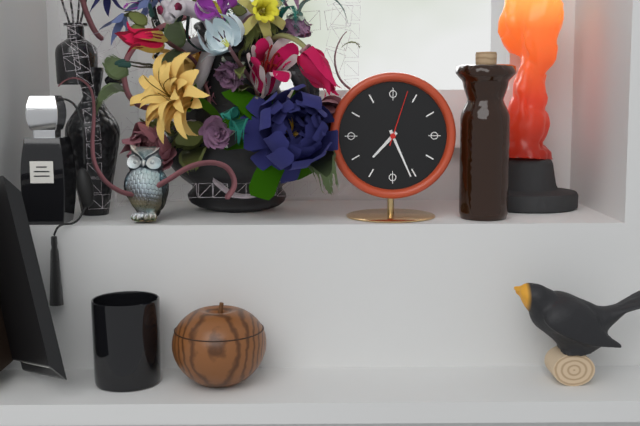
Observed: 7,26,03
